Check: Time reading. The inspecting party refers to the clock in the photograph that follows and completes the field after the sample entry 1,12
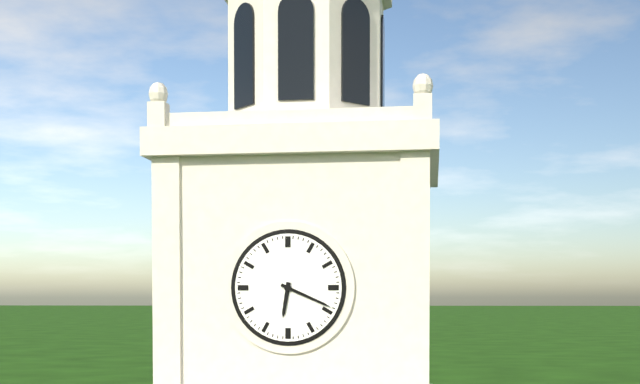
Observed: 6,19
